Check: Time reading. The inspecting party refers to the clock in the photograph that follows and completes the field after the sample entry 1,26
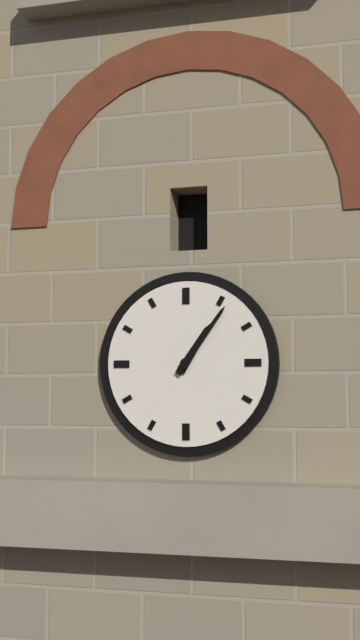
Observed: 1,06
